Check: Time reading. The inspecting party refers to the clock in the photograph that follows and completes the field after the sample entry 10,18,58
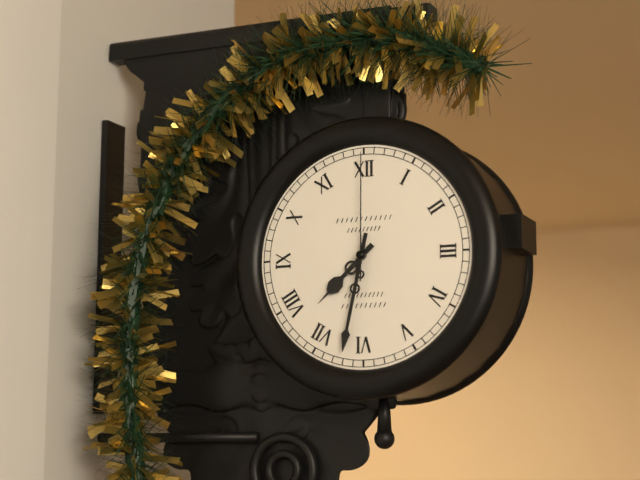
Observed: 7,32,00
